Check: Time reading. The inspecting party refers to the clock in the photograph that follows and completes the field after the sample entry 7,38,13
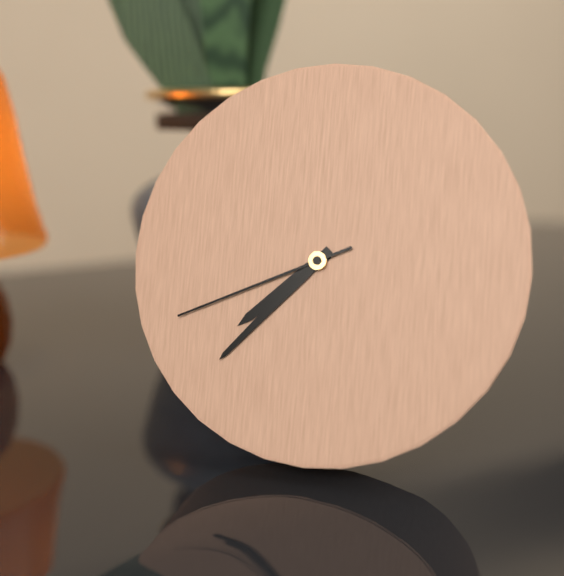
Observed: 7,37,41
